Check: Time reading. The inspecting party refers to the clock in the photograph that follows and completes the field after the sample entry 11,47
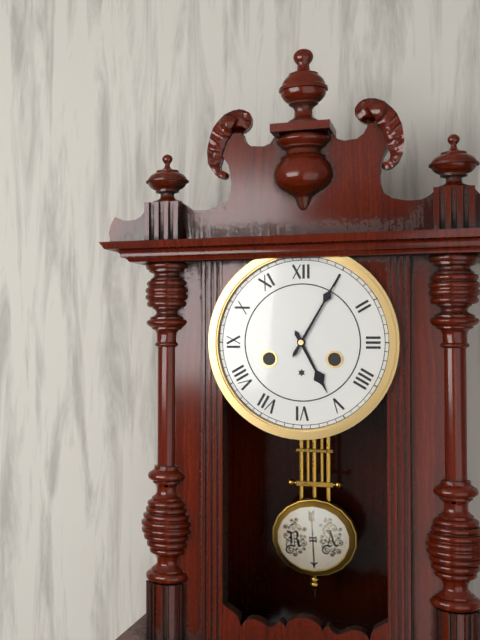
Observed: 5,05
